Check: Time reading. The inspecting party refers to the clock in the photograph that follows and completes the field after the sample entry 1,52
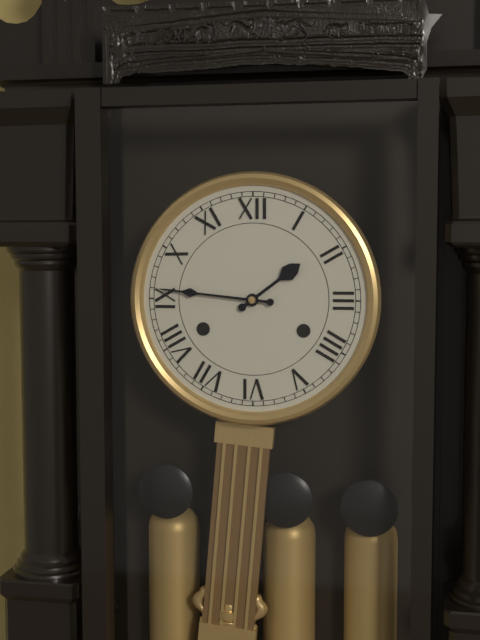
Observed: 1,46
